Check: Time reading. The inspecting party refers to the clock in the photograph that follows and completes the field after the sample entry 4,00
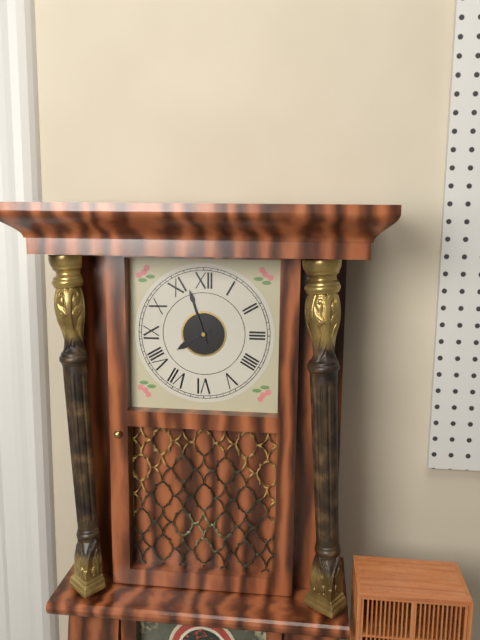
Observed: 7,57
